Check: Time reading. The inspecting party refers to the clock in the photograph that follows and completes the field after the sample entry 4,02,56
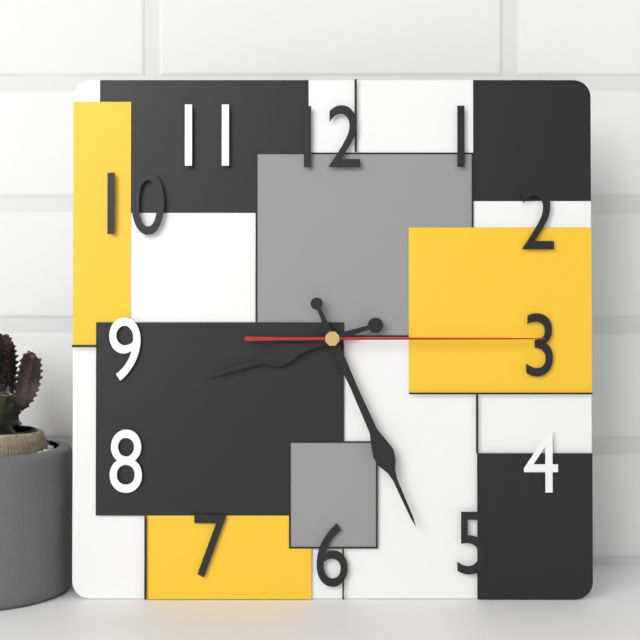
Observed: 8,26,15
